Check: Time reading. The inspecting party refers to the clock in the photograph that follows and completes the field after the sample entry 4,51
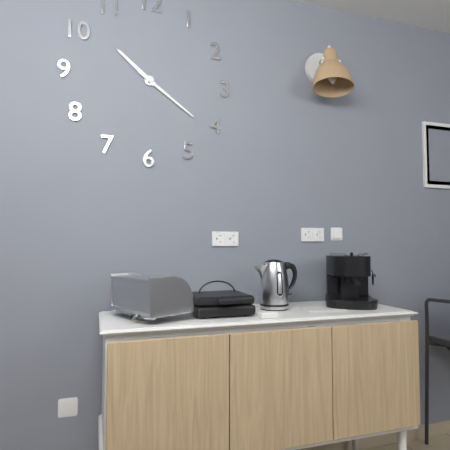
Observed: 10,21
